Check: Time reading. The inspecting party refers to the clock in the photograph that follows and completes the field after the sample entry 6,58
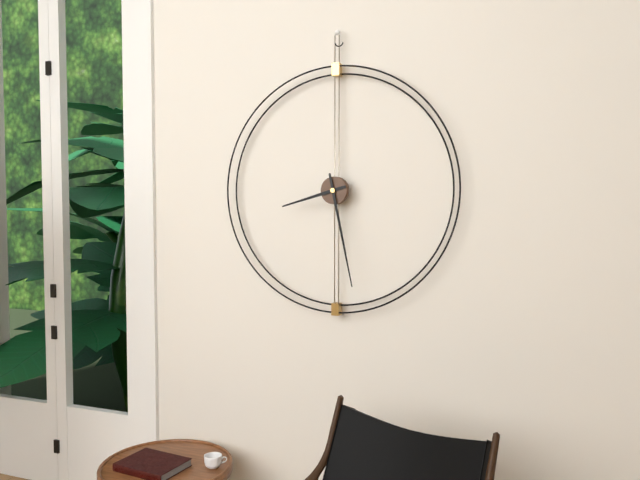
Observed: 8,28
